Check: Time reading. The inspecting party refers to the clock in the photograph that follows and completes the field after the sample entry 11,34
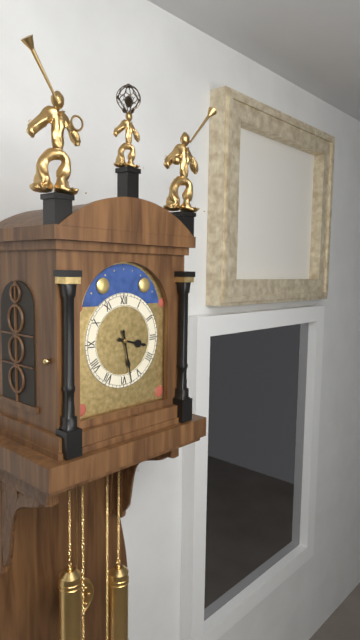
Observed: 3,28
